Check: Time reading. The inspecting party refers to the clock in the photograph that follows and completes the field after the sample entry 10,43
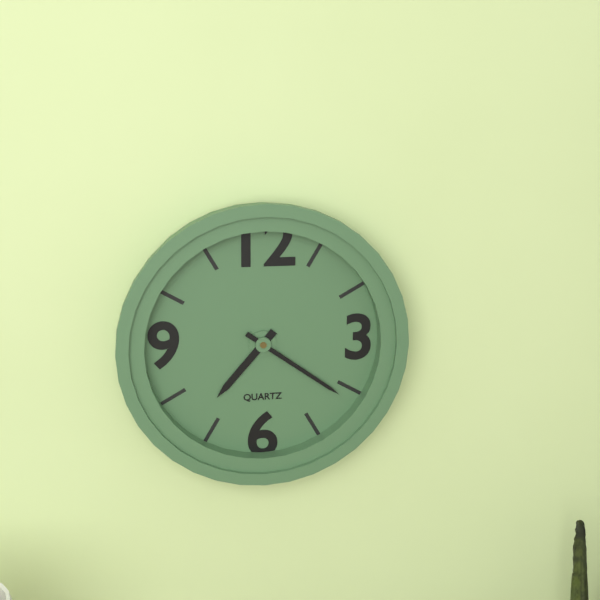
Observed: 7,21
